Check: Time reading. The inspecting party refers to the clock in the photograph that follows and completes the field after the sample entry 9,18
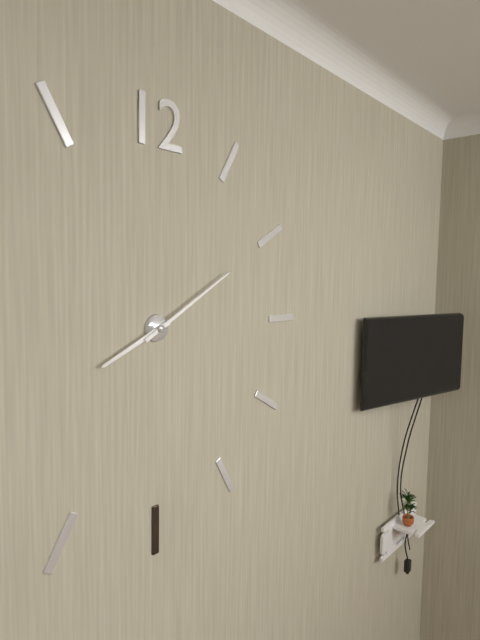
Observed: 8,10
